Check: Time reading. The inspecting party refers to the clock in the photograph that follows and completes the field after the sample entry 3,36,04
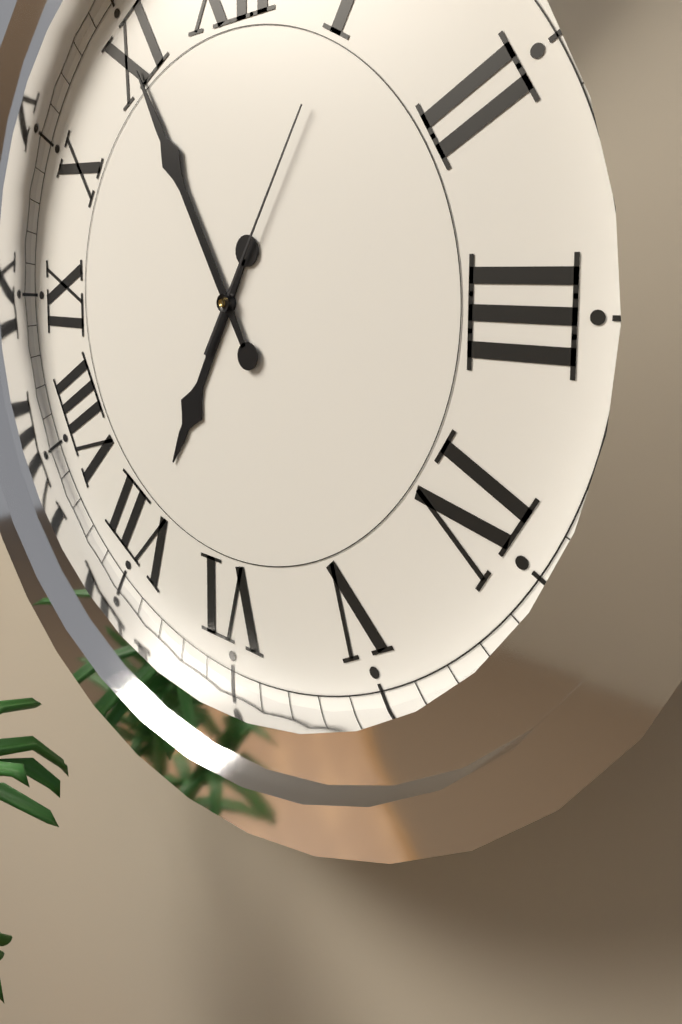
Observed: 6,55,05
